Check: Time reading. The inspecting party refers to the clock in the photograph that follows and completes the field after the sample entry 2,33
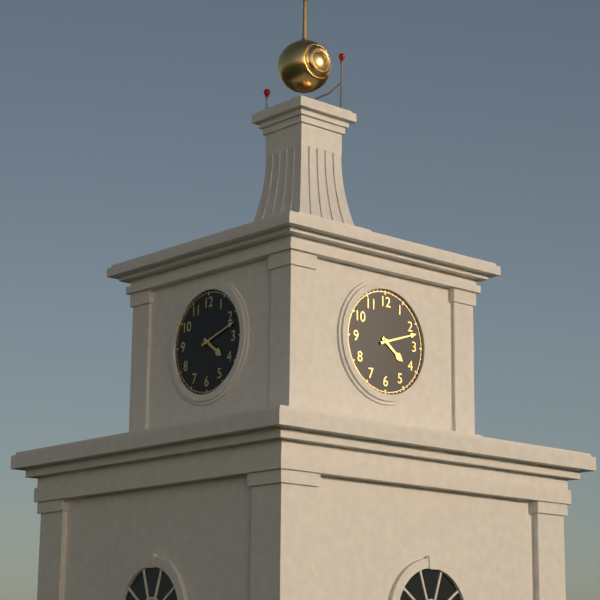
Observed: 4,12
